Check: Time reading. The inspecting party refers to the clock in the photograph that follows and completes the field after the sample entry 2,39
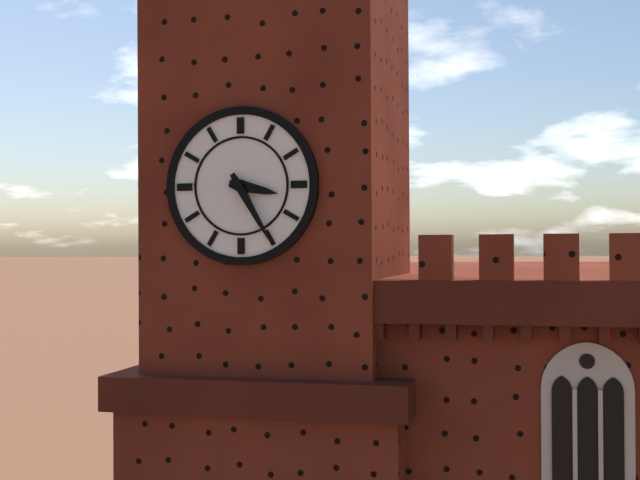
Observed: 3,25
